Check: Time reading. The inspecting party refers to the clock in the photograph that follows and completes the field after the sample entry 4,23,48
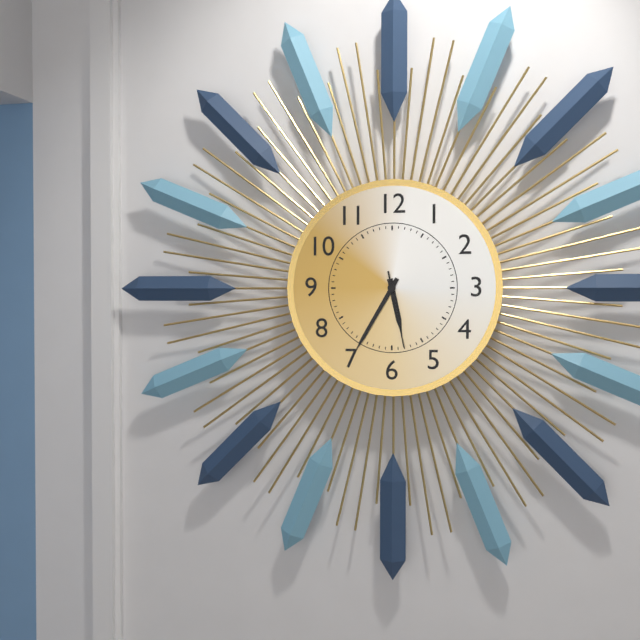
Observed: 5,35,28
